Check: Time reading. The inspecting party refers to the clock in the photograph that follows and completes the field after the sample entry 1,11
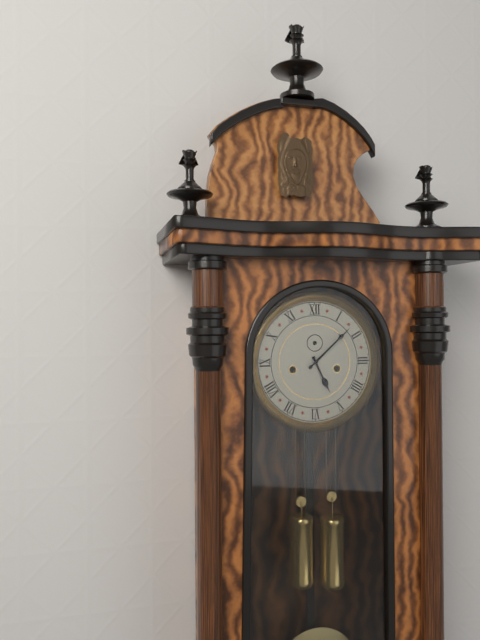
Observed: 5,08
